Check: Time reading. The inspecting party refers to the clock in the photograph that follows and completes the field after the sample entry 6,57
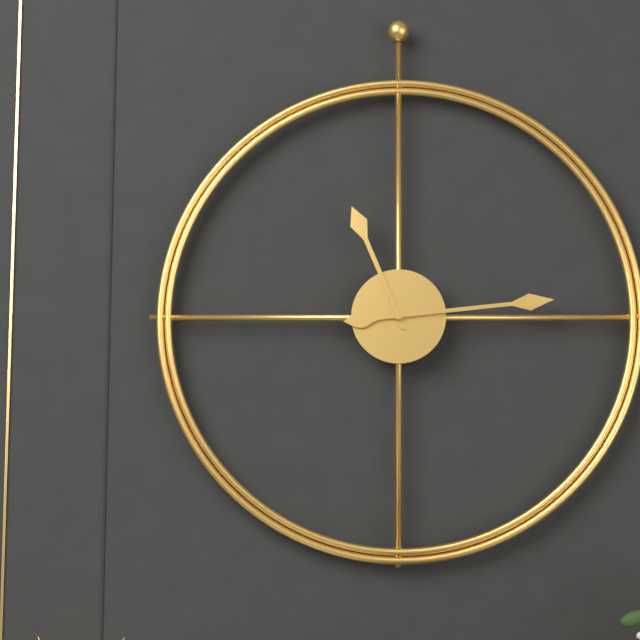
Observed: 11,14
